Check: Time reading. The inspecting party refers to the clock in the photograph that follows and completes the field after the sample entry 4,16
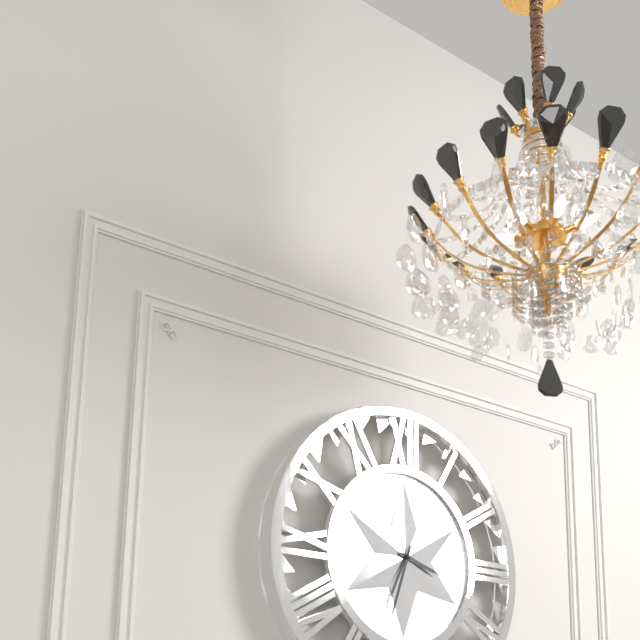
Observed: 3,33
